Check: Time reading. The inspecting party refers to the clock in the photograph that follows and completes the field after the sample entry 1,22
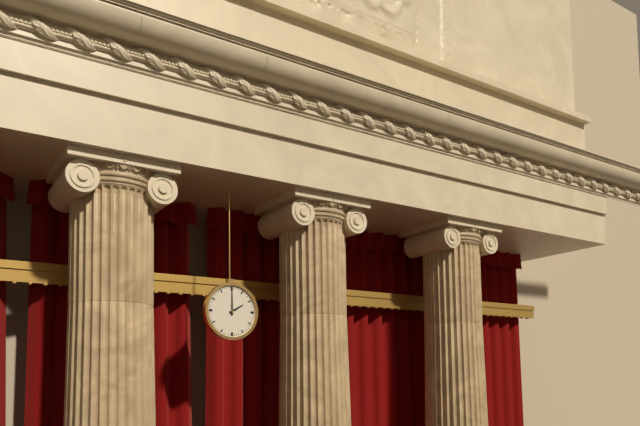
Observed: 2,00
